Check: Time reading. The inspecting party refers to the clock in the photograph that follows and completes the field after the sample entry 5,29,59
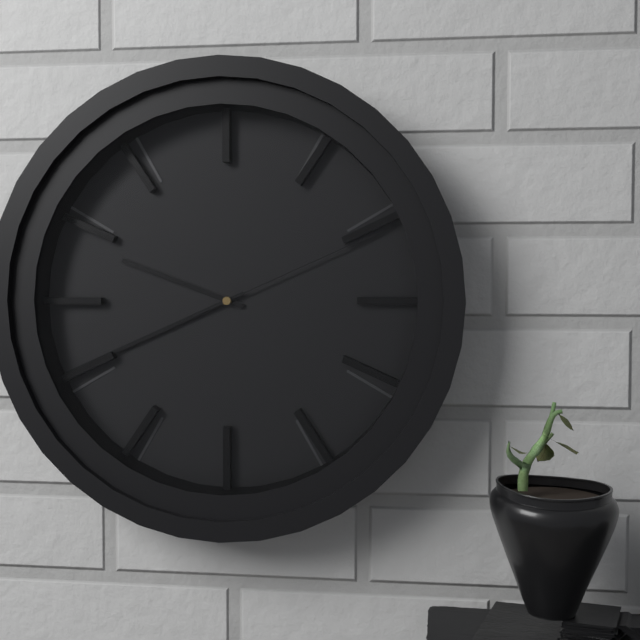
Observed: 9,41,11
